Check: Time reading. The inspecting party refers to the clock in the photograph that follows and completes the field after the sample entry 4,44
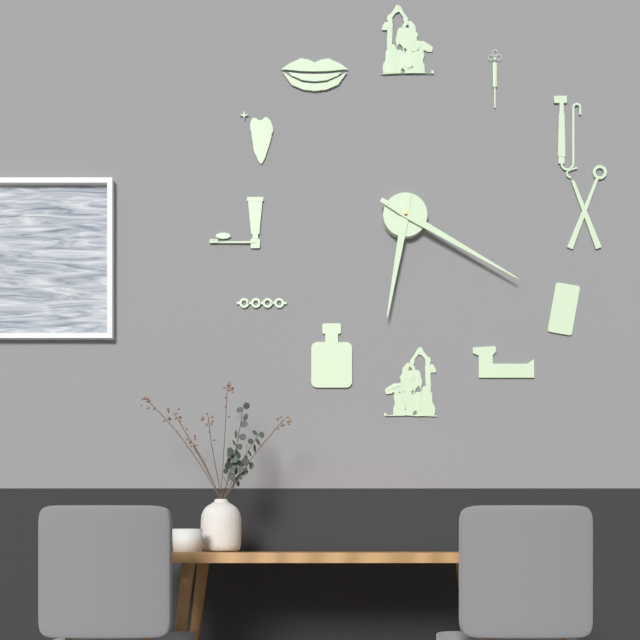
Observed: 6,20
